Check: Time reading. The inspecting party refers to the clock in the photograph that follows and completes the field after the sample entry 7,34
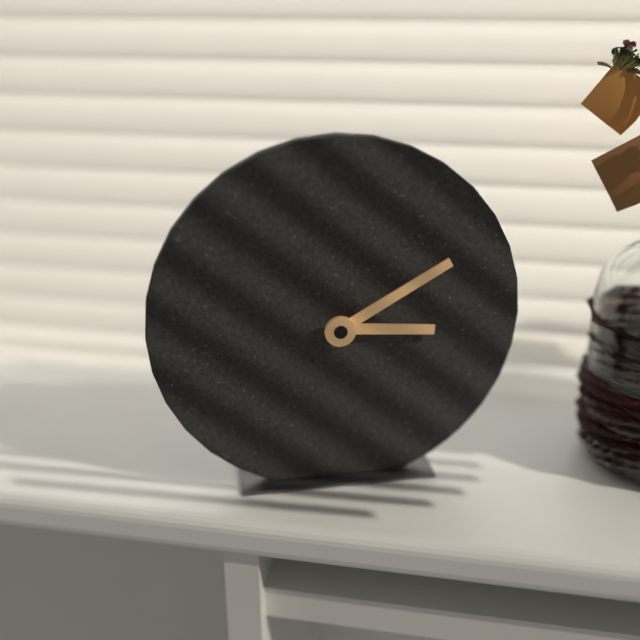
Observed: 3,10
